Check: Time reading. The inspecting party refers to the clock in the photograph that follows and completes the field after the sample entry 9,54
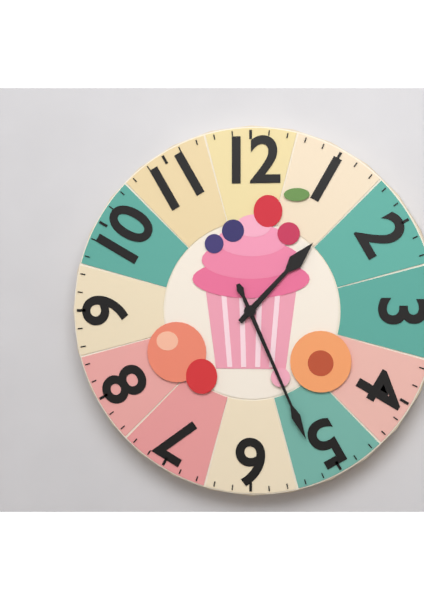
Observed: 1,26
